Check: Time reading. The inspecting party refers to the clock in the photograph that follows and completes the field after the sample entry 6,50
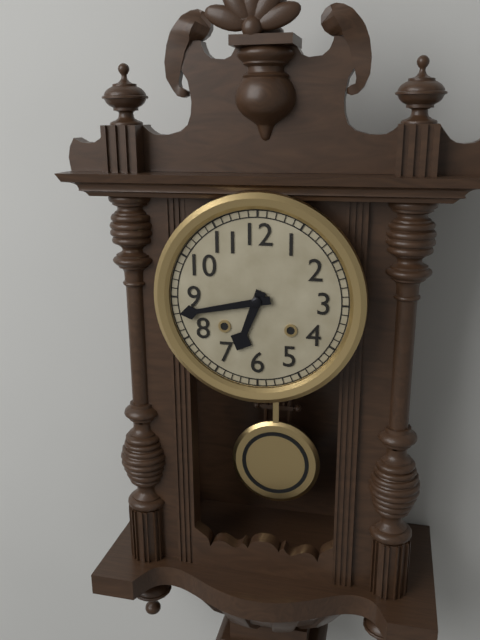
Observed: 6,43
